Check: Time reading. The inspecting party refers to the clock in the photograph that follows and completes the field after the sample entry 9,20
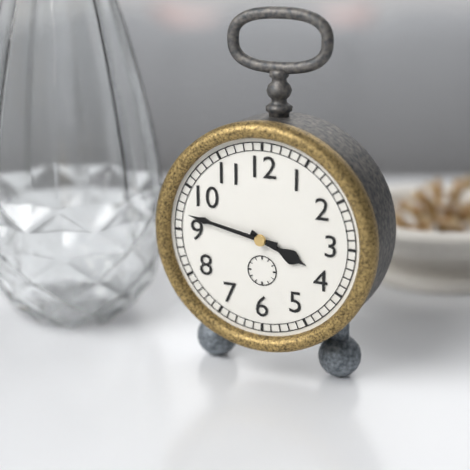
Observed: 3,47
